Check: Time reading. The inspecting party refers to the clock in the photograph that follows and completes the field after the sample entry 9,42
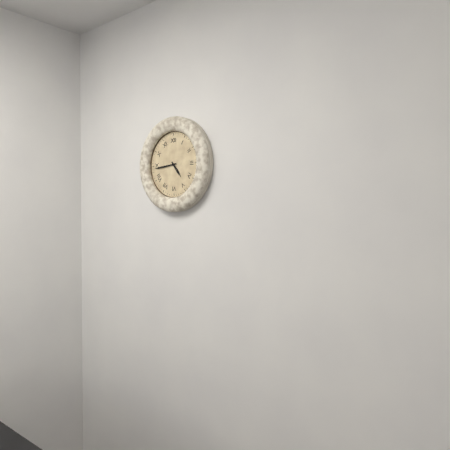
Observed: 4,44
